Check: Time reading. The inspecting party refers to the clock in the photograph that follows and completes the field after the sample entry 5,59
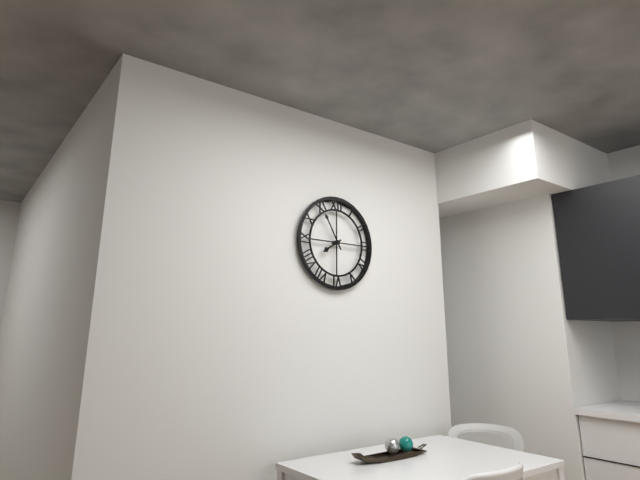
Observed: 7,55
